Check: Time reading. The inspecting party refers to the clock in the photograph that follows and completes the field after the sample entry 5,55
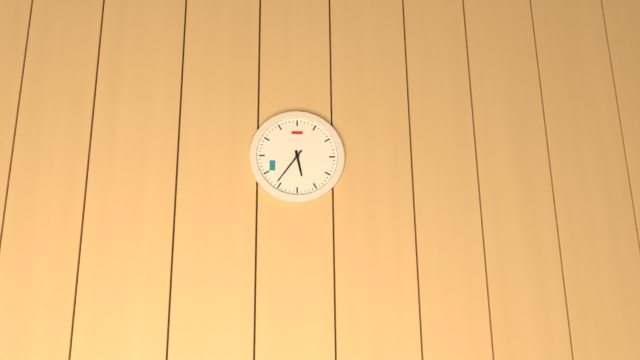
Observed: 5,36
